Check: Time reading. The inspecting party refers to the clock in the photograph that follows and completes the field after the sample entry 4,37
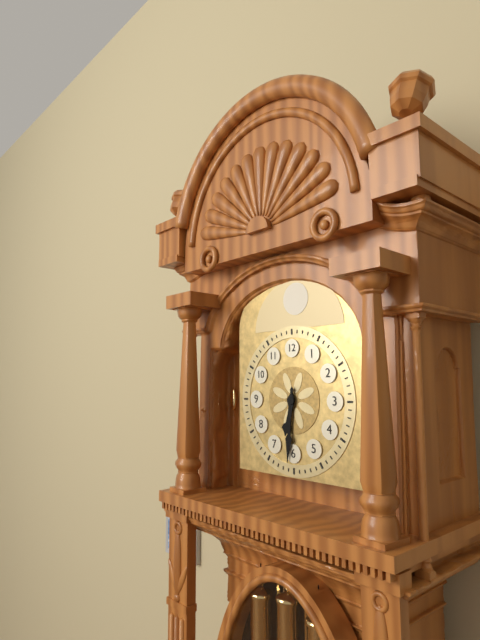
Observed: 6,31
